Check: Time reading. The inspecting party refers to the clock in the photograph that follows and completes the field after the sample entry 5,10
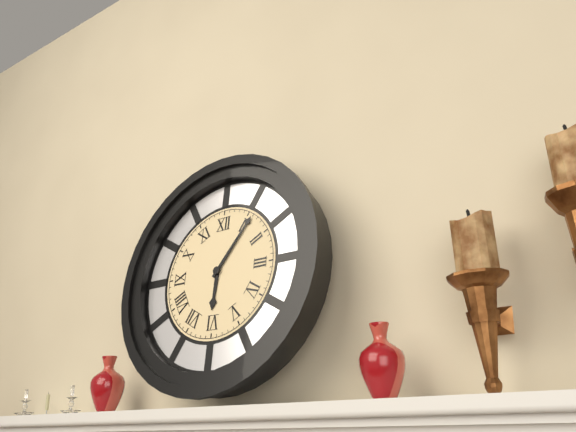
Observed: 6,06
